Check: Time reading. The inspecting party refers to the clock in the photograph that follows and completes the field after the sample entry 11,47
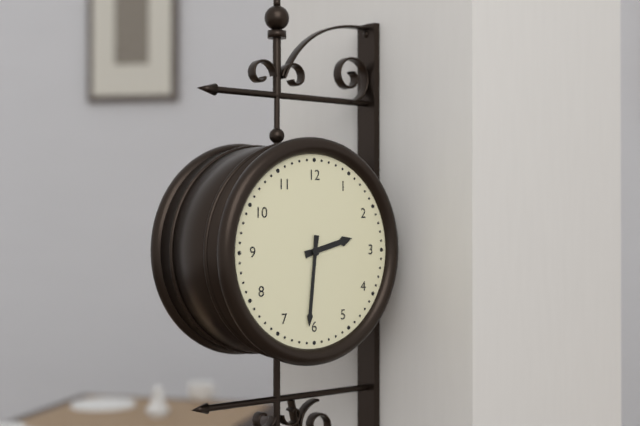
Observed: 2,31
